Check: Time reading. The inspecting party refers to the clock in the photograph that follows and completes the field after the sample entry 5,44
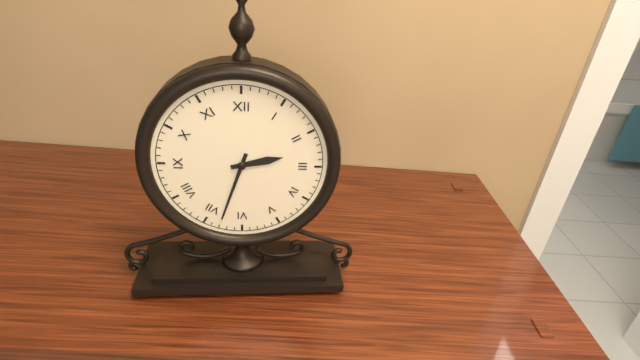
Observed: 2,33
